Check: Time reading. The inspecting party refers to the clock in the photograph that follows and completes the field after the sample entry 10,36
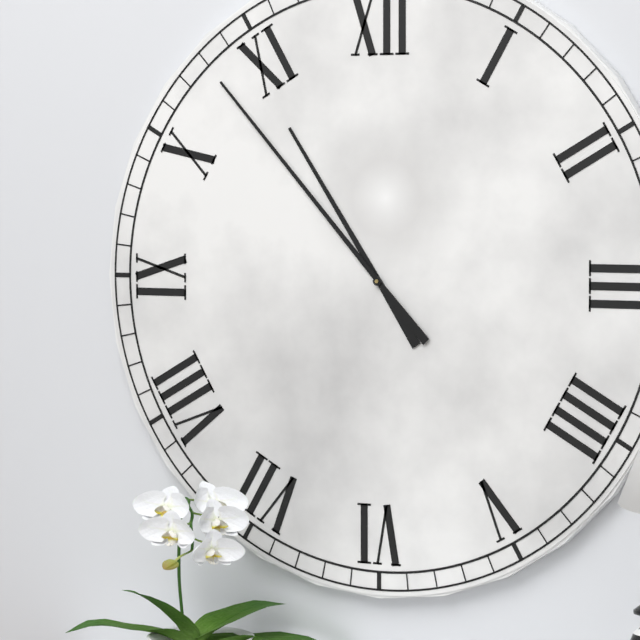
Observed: 10,53
